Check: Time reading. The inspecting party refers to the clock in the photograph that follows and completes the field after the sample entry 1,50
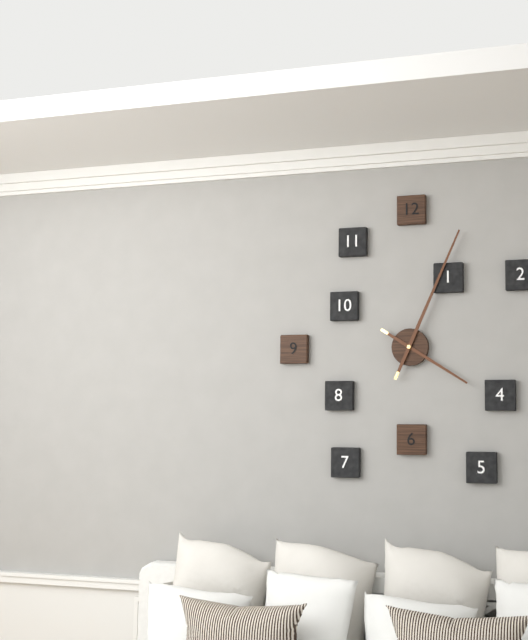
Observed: 4,04
